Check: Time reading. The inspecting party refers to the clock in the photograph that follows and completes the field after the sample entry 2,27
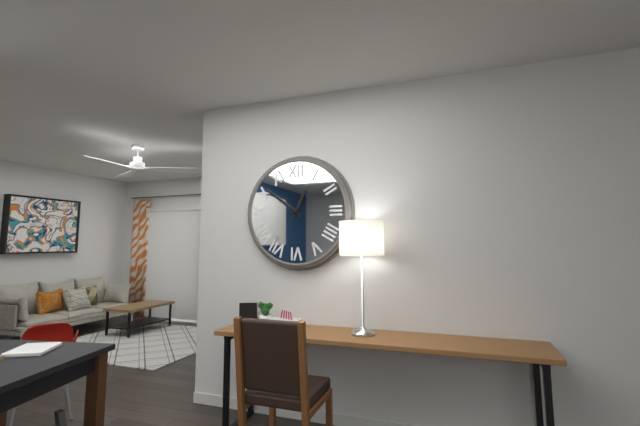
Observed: 12,51
